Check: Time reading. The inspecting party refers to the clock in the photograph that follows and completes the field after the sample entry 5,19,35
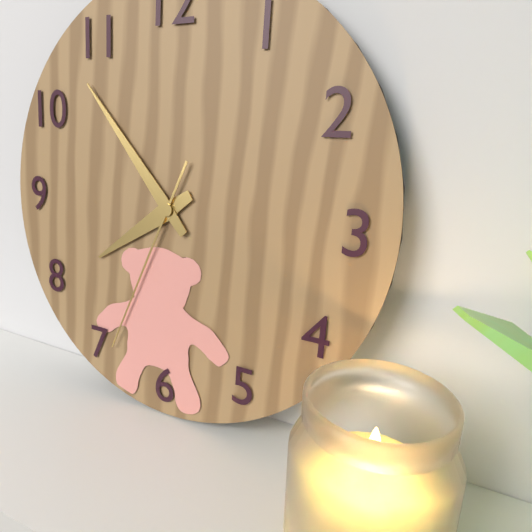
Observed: 7,53,34
